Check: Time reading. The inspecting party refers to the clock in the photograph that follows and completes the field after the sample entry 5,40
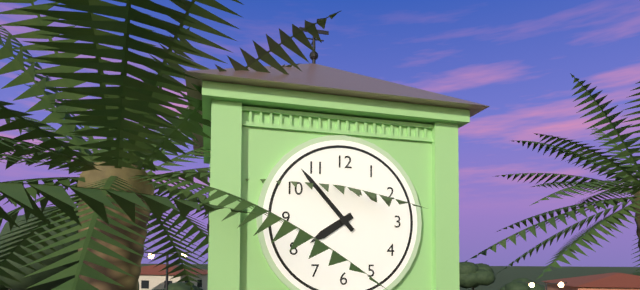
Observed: 7,53
